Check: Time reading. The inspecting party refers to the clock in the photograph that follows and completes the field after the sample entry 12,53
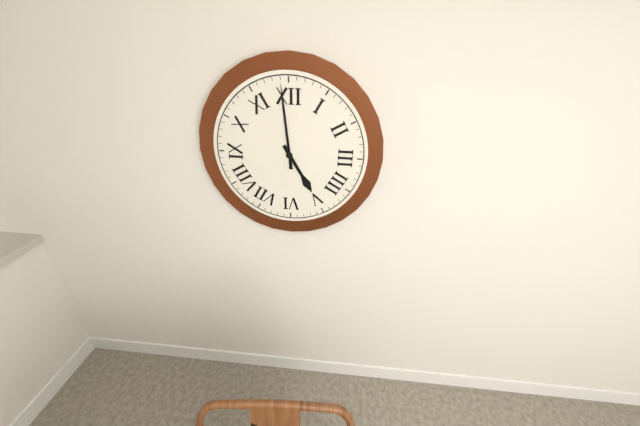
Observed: 4,59
